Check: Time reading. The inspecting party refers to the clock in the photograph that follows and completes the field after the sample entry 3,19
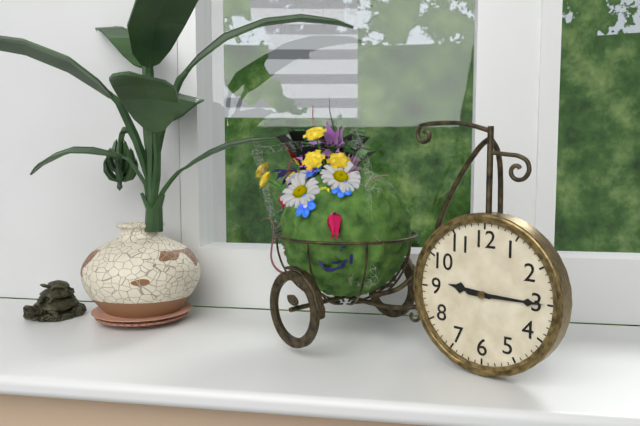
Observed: 9,15
